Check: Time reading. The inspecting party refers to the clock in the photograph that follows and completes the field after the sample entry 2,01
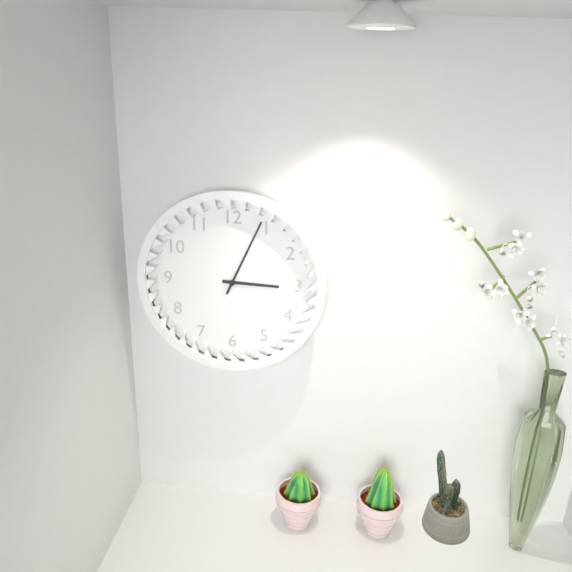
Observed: 3,04
